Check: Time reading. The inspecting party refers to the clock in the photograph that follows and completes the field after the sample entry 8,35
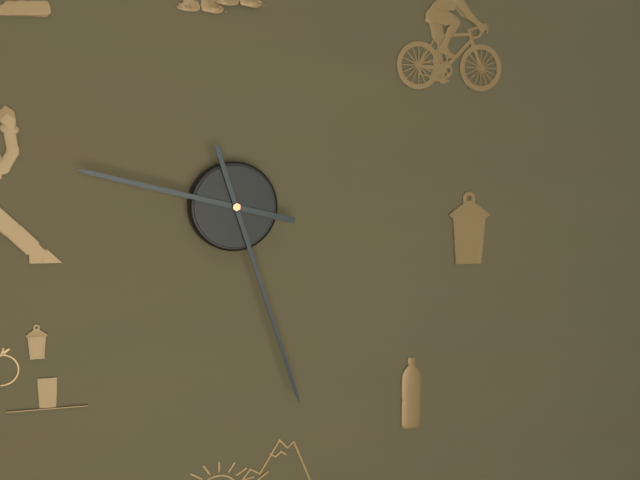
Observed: 9,27
